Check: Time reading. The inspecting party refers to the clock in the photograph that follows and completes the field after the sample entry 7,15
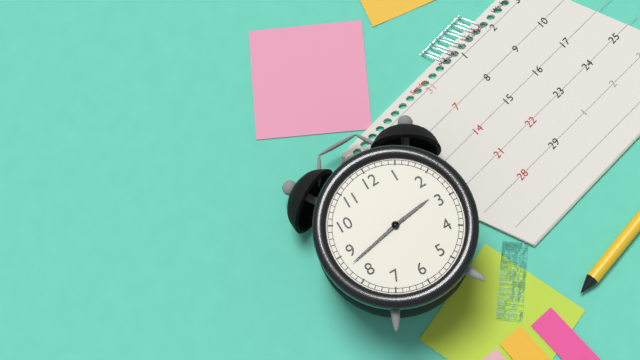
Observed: 2,43
